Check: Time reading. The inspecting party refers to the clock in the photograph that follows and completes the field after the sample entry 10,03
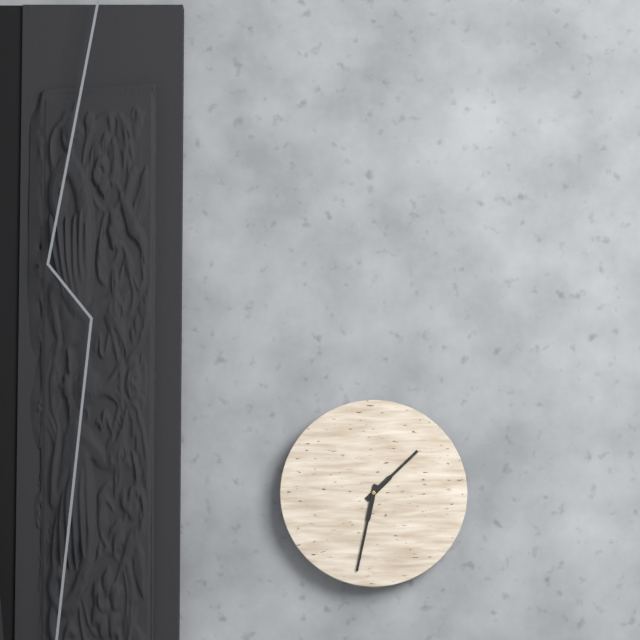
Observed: 1,32
